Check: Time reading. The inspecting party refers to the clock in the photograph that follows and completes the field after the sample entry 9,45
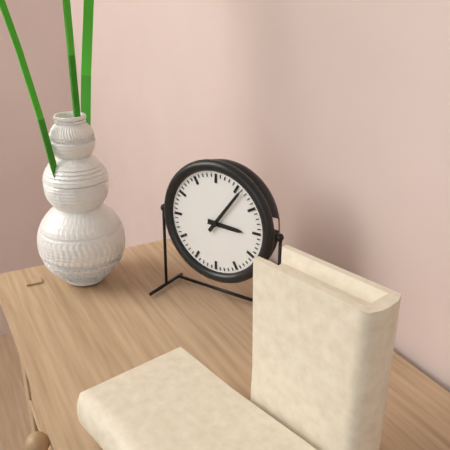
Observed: 3,06
